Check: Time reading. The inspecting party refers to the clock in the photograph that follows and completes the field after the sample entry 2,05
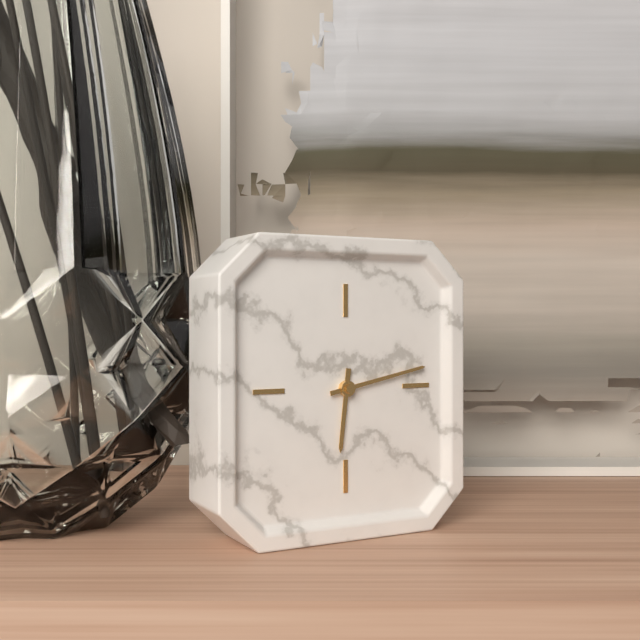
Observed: 6,13
